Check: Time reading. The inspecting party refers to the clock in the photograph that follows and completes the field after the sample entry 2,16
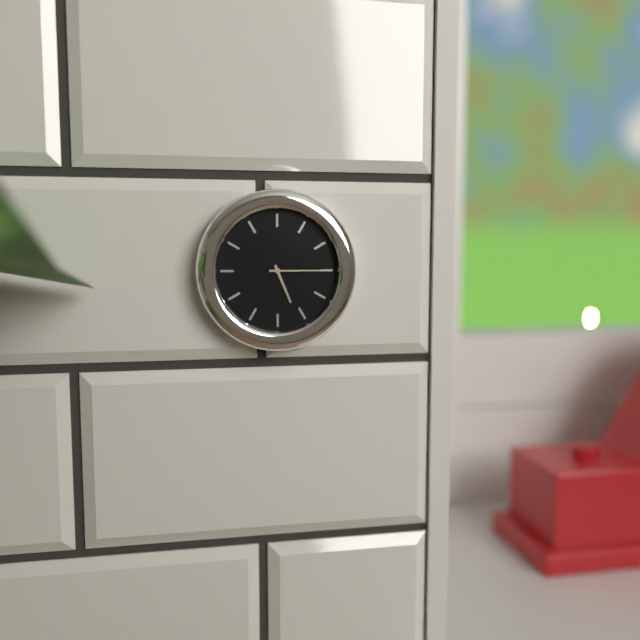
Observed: 5,15
